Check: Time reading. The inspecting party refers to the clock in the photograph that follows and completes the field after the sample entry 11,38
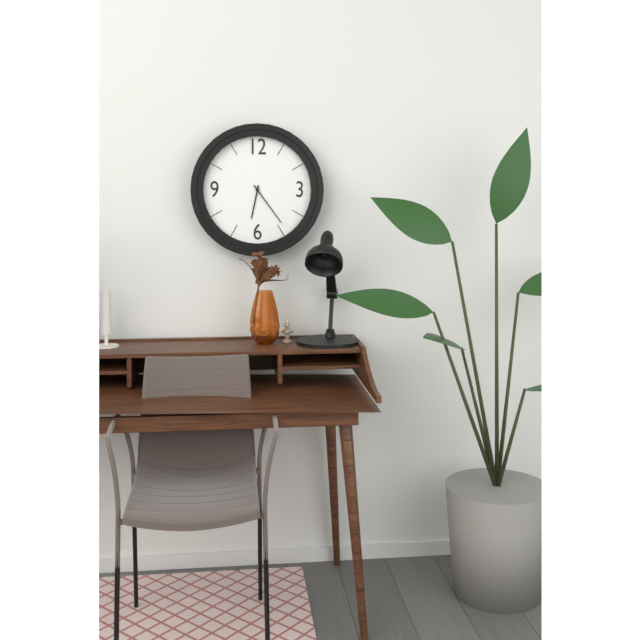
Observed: 6,24
